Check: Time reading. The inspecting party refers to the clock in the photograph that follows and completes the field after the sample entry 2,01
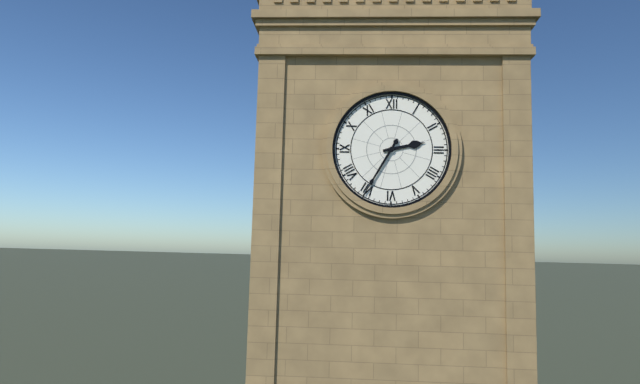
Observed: 2,35
